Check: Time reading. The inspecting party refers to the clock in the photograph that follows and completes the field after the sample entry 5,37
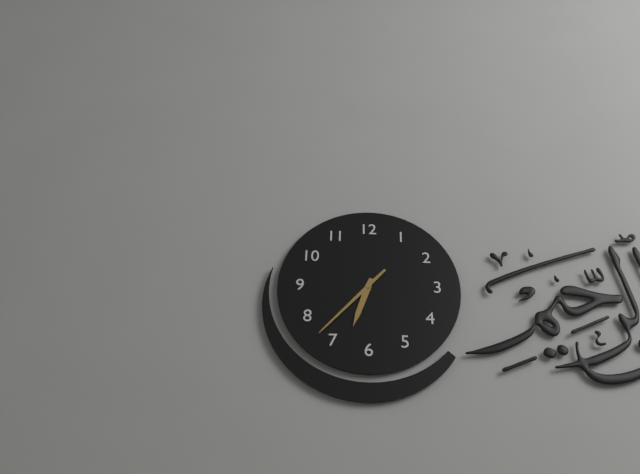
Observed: 6,37
